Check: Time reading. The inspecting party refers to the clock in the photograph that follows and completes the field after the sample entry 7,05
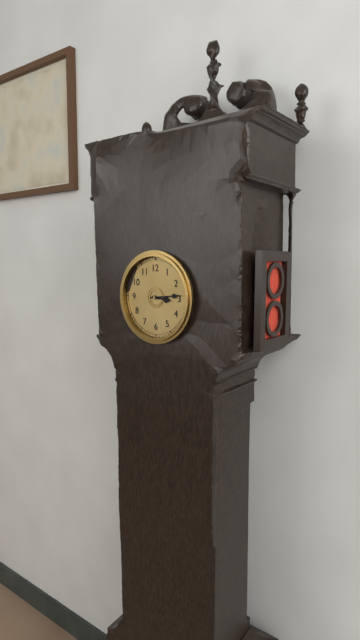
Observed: 3,14
